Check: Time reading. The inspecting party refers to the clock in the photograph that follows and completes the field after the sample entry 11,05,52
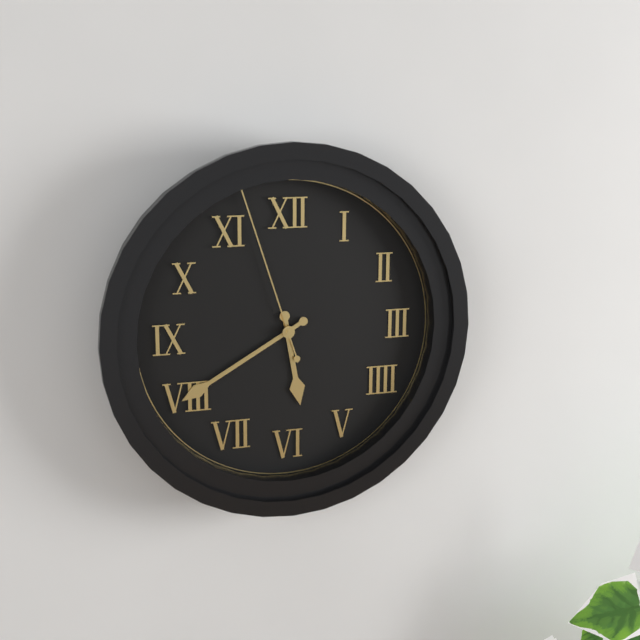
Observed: 5,40,57
